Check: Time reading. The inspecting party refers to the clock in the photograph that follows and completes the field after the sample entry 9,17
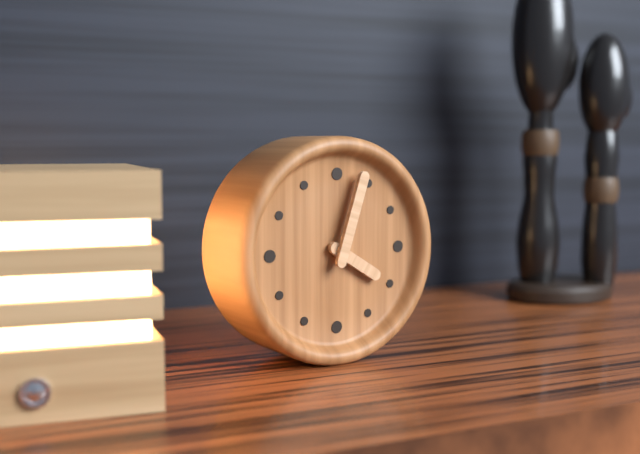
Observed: 4,03
